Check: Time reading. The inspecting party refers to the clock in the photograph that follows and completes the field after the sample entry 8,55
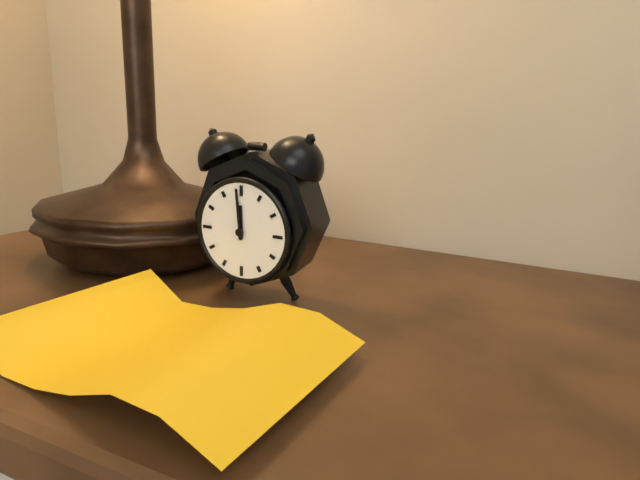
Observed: 11,59
